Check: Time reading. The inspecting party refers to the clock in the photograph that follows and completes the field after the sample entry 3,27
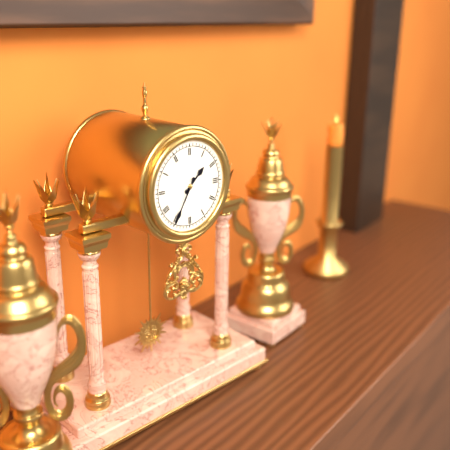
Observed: 1,35
